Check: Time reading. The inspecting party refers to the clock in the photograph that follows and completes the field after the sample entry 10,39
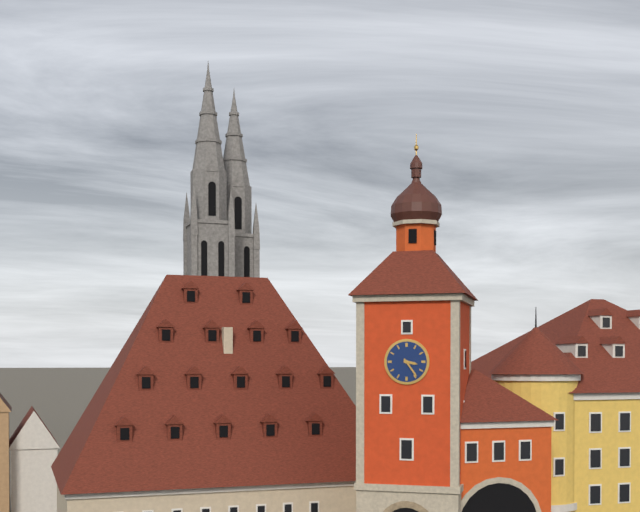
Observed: 3,24
